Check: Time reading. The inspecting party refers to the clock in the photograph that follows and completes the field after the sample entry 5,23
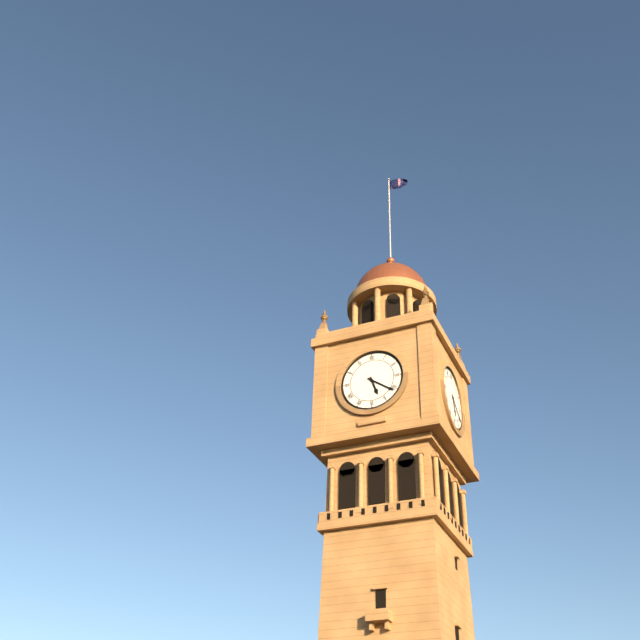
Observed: 5,21
